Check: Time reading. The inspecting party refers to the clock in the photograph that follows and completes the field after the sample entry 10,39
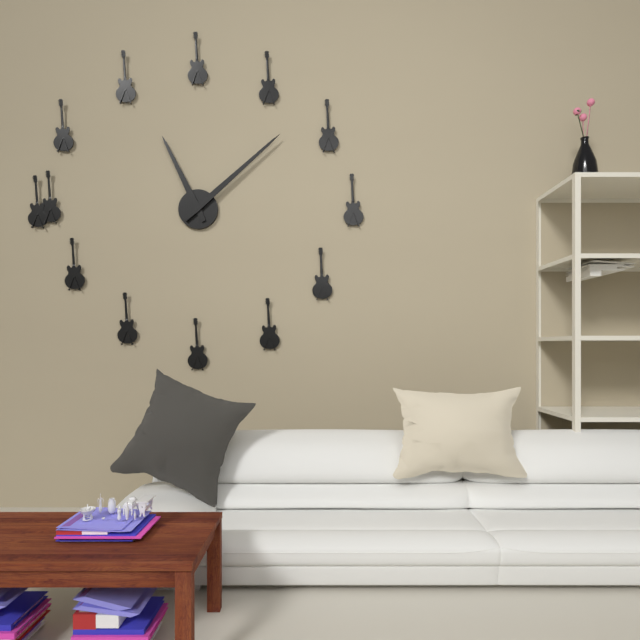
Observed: 11,08
